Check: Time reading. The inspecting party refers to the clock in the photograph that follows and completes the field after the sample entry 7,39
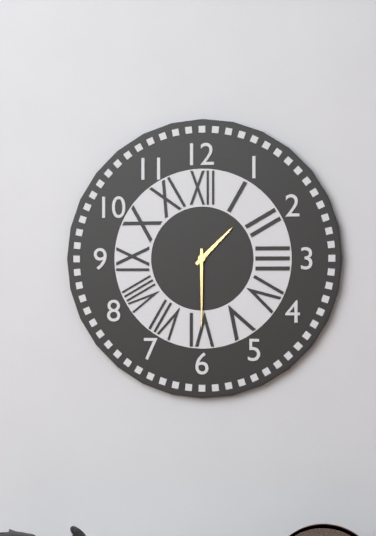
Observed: 1,30
